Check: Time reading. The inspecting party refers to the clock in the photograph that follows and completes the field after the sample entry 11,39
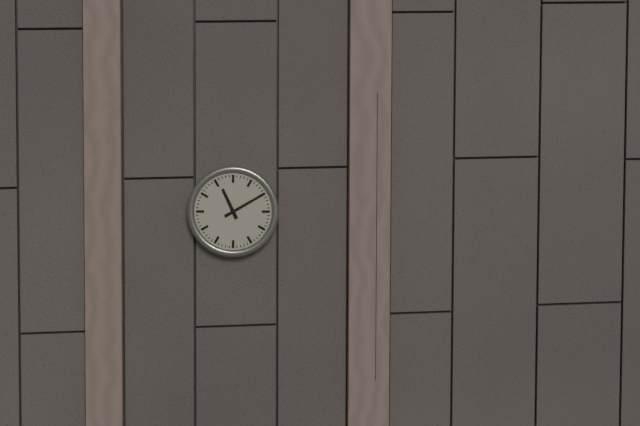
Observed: 11,10
